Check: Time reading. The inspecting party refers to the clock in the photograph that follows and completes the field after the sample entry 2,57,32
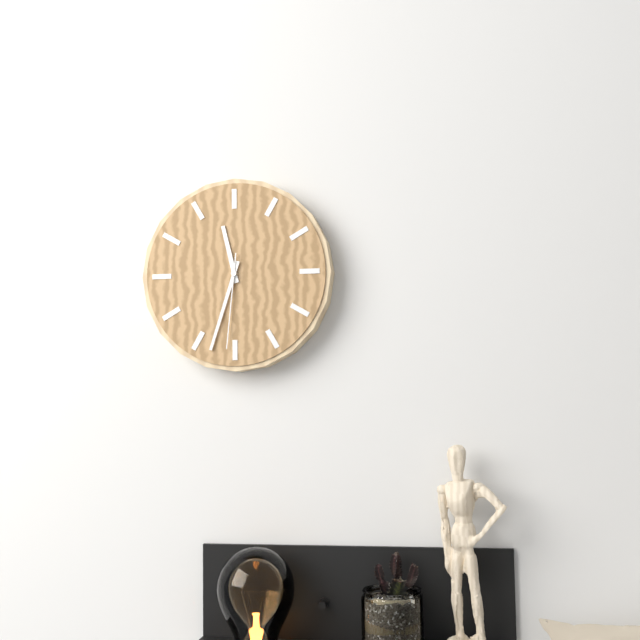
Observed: 11,33,31
